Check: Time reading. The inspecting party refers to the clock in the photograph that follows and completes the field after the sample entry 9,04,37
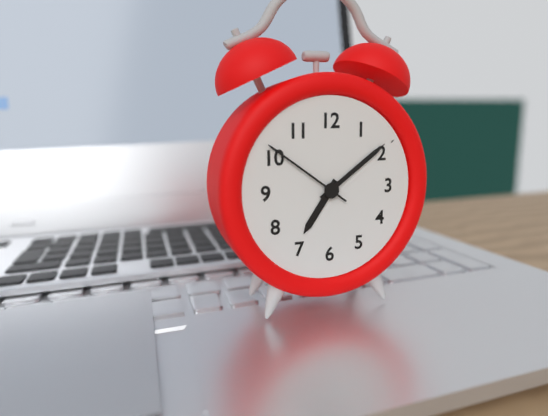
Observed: 7,09,51
